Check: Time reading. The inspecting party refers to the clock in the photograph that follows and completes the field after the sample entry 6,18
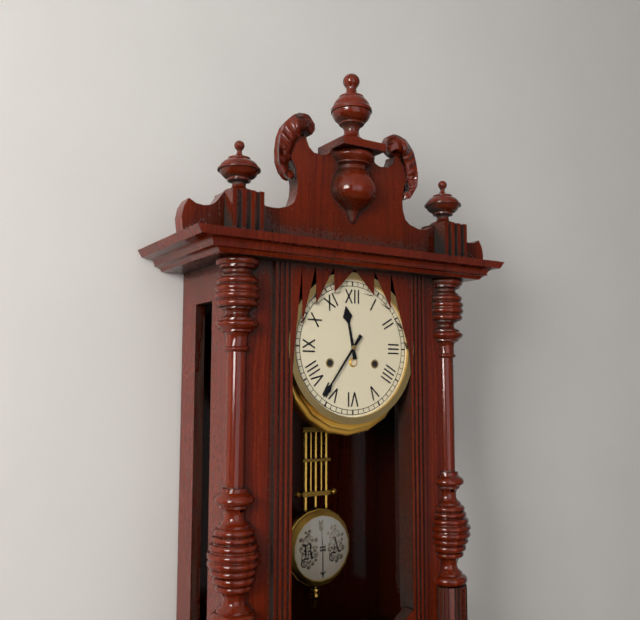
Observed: 11,36
